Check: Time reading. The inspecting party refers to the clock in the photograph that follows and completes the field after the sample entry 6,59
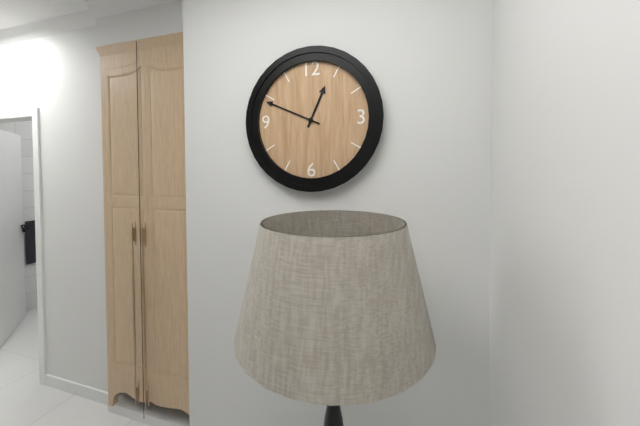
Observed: 12,49
